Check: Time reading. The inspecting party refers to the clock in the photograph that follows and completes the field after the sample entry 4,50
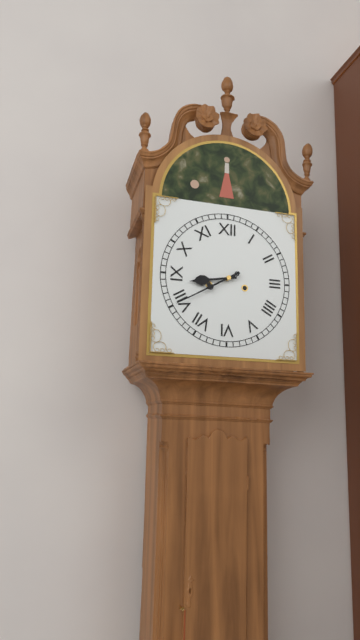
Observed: 8,40
